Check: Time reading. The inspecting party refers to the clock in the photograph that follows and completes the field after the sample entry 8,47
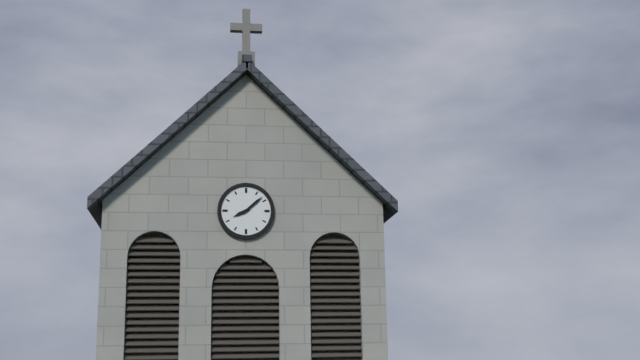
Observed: 8,08
